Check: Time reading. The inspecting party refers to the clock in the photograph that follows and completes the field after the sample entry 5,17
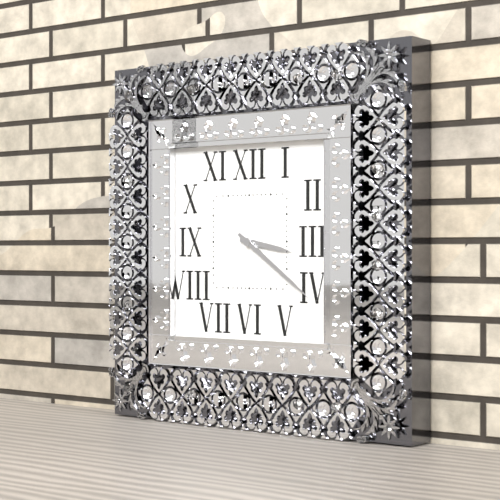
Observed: 3,21
